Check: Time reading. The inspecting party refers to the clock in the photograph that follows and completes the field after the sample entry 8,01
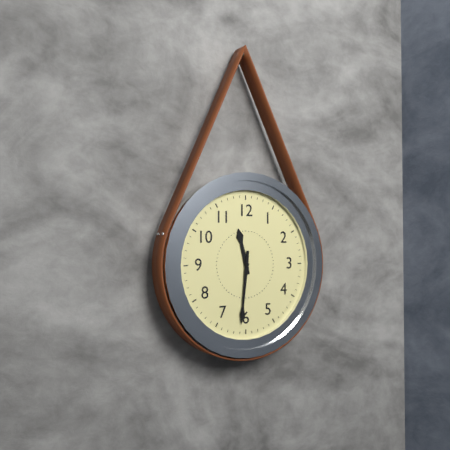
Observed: 11,31
